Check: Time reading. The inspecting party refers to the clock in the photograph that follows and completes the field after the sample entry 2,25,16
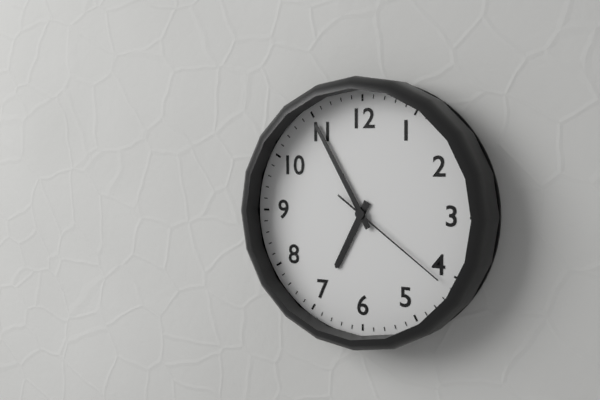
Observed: 6,55,21
